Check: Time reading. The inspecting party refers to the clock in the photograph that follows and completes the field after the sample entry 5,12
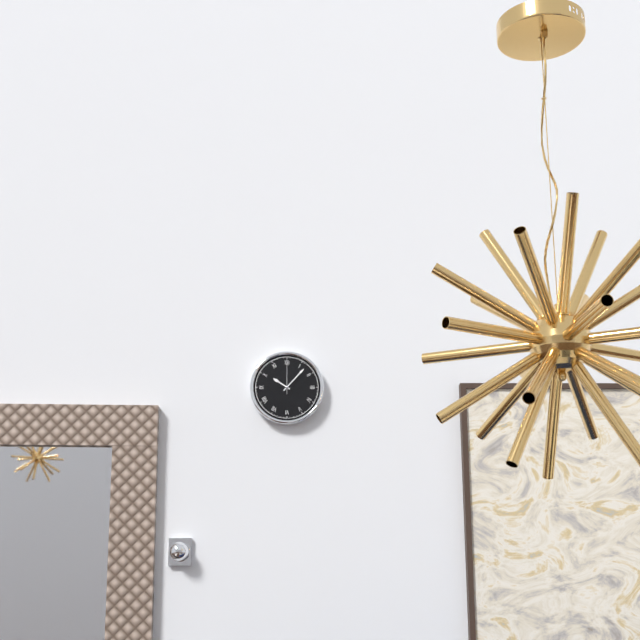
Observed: 10,07
